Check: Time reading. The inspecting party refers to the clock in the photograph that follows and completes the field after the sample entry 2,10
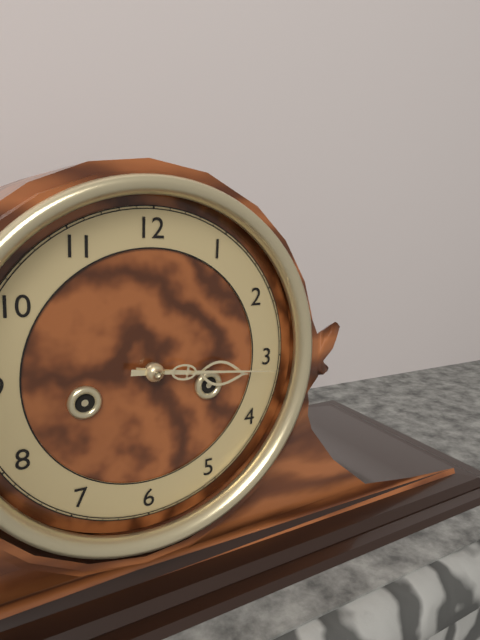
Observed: 3,16
